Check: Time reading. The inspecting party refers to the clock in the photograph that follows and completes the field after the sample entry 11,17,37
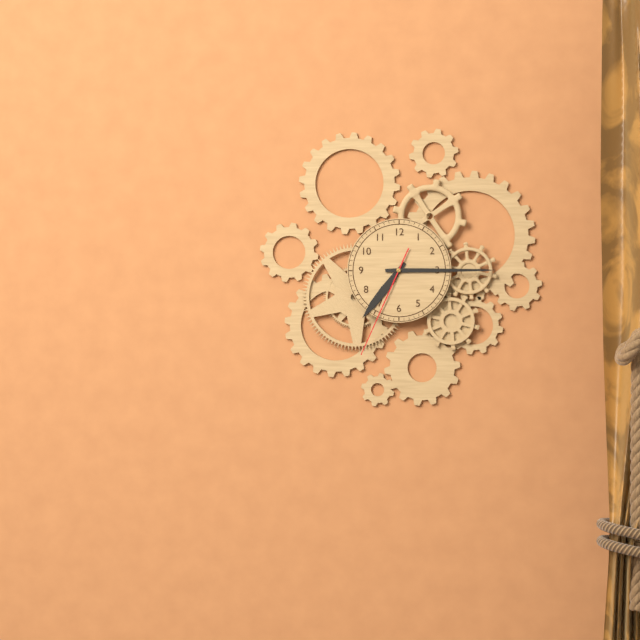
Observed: 7,15,34
